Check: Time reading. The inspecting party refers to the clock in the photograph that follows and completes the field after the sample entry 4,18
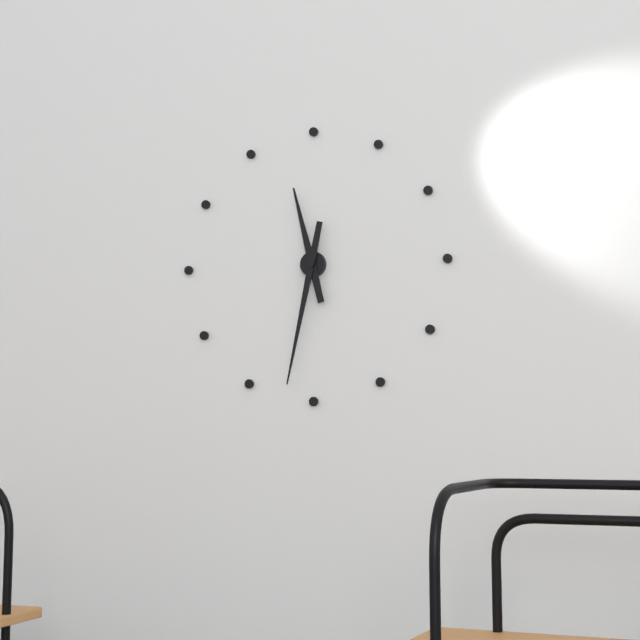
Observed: 11,32
